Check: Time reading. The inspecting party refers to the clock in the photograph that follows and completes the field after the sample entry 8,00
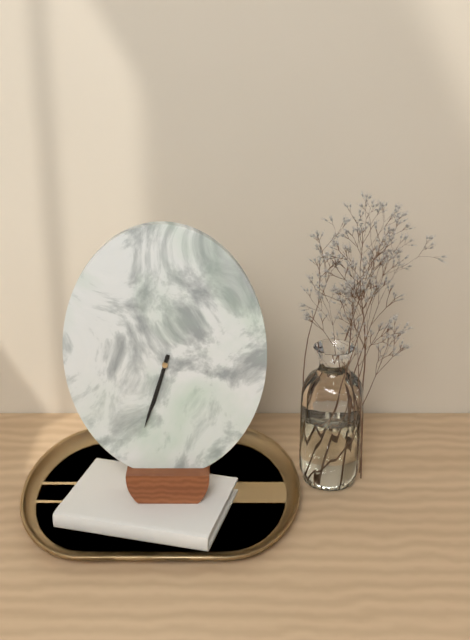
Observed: 6,33
